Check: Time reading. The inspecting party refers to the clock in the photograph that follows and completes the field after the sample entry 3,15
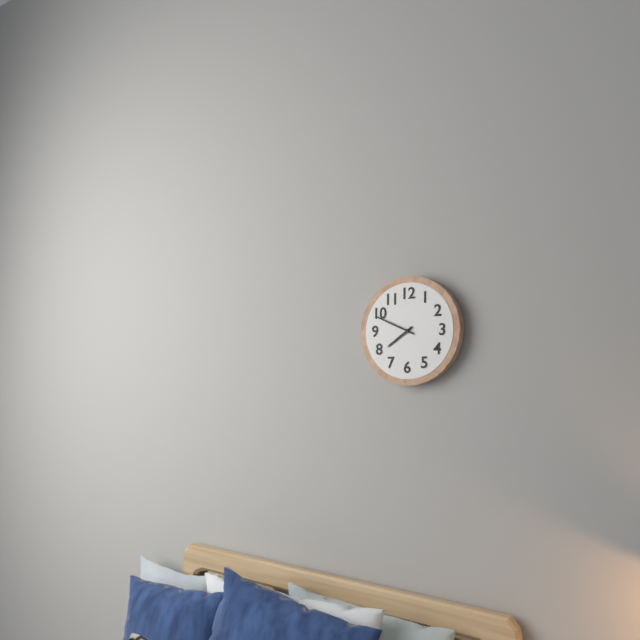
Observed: 7,49
